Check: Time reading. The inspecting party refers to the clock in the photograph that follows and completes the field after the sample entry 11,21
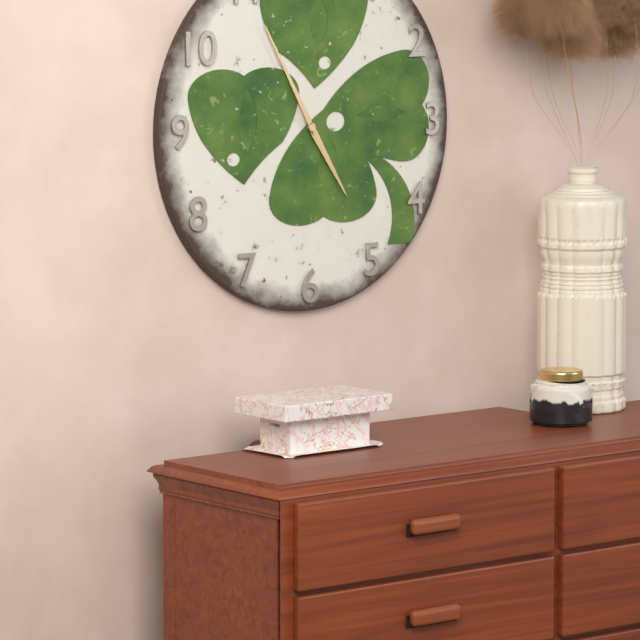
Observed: 4,55
